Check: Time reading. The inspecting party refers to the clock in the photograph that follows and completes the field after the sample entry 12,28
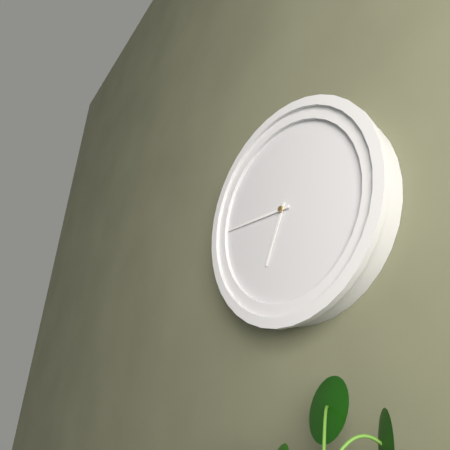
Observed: 6,45
